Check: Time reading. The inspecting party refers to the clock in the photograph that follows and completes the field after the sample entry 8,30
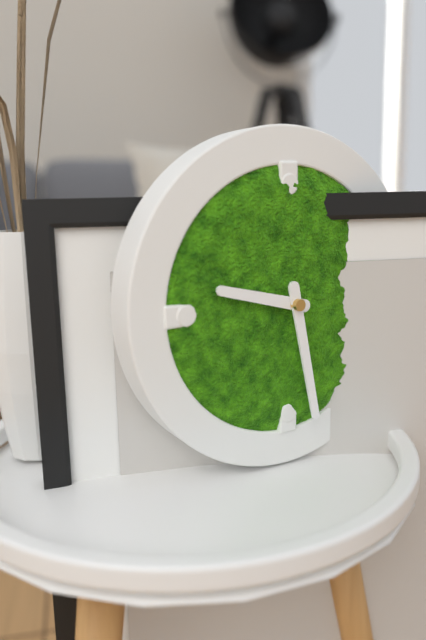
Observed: 9,28
